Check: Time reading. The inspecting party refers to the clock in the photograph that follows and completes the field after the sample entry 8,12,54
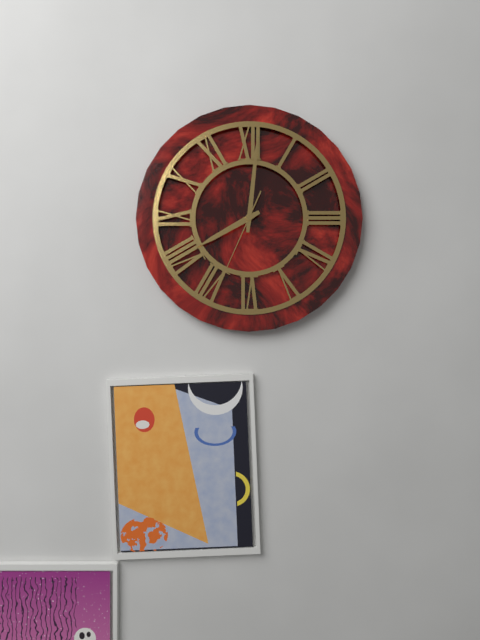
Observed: 8,01,34
